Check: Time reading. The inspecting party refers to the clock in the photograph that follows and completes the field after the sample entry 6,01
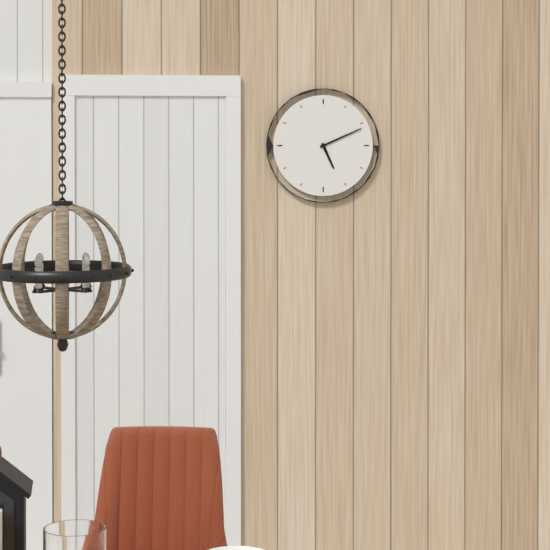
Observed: 5,11
